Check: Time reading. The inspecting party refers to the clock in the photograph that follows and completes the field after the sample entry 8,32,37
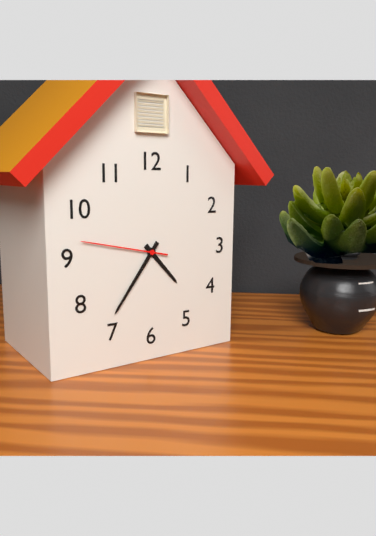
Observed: 4,36,47
